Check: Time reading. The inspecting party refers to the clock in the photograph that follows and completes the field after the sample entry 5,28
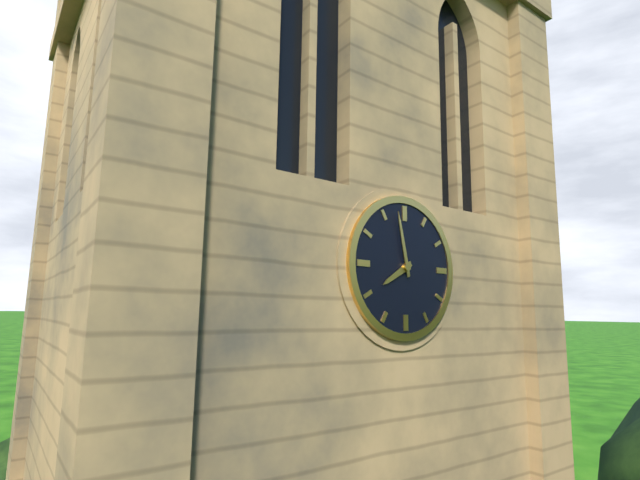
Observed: 7,58
